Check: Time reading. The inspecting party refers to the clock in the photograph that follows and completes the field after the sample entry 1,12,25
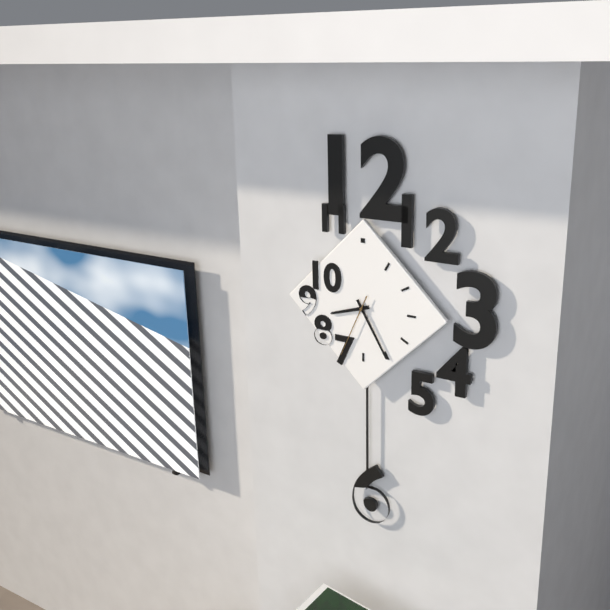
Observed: 8,25,34
